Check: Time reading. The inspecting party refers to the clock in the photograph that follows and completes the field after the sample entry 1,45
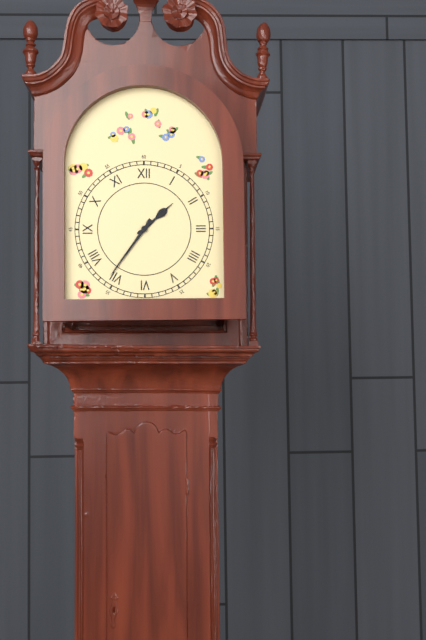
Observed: 1,36
